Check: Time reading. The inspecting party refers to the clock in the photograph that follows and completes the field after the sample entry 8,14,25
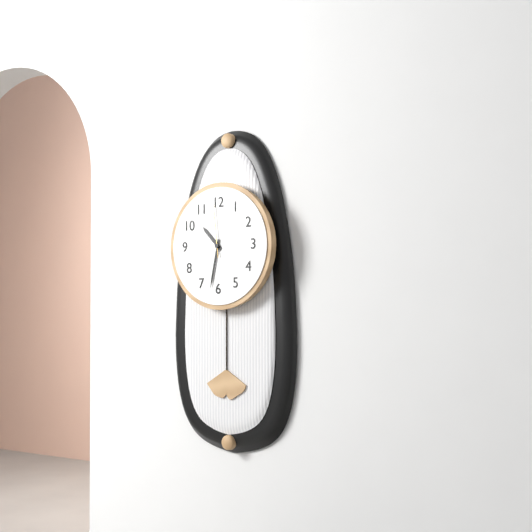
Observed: 10,32,59
